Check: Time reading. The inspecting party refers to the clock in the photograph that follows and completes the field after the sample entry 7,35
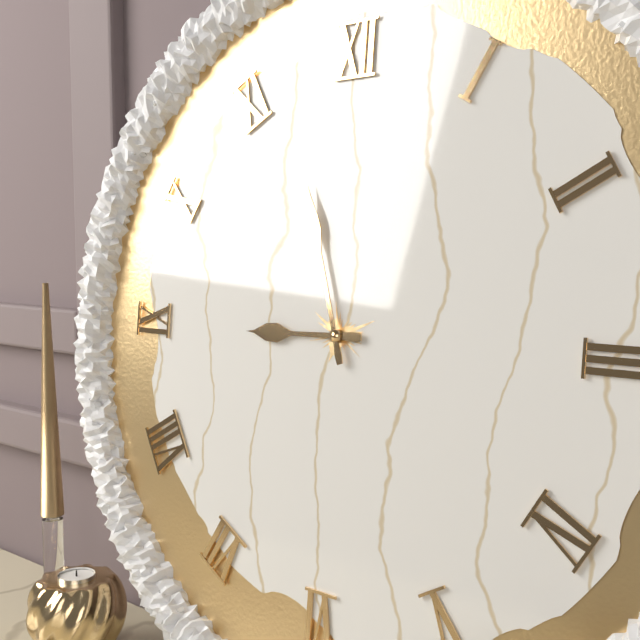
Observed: 8,57
